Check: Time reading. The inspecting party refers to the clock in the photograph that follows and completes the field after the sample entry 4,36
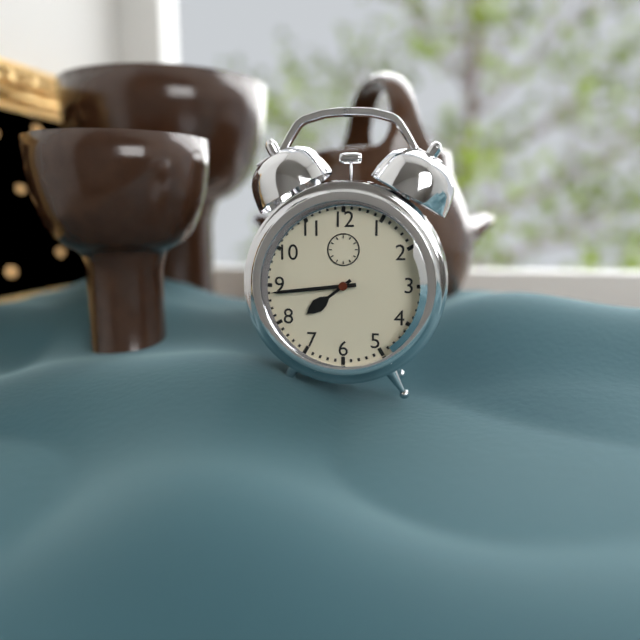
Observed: 7,44
